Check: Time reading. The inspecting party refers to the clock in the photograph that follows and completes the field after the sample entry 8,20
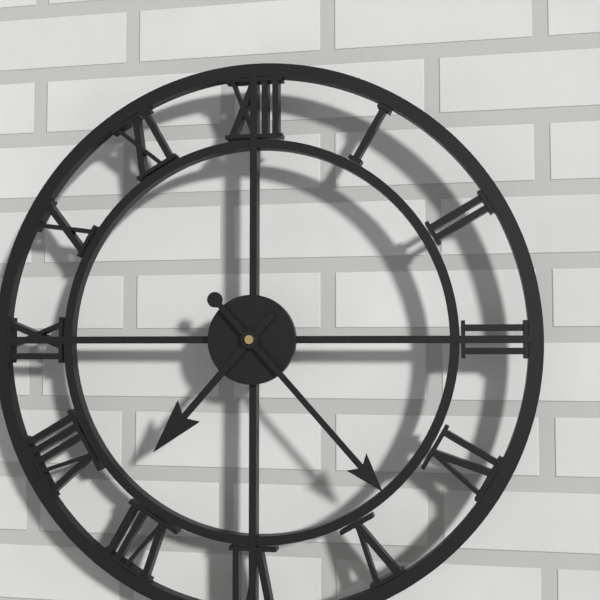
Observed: 7,23
